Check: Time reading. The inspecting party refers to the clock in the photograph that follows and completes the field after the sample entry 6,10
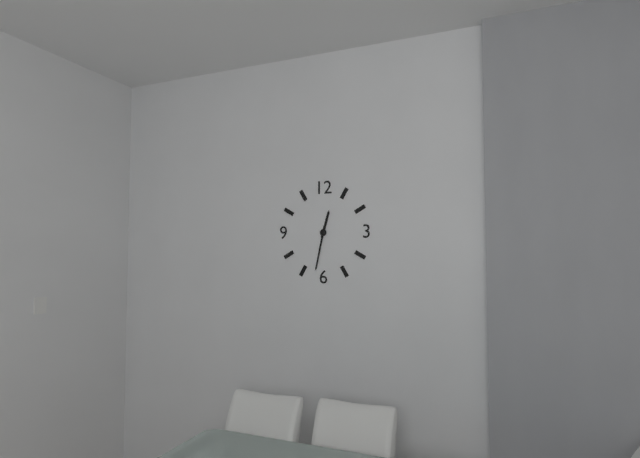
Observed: 12,32
